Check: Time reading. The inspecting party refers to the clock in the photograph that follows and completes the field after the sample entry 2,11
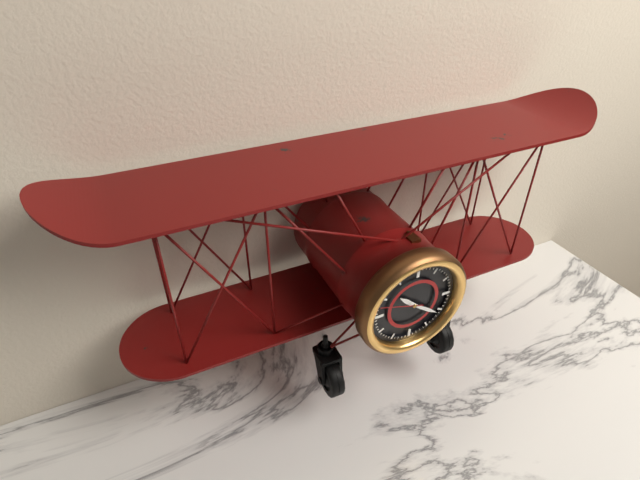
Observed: 10,21
